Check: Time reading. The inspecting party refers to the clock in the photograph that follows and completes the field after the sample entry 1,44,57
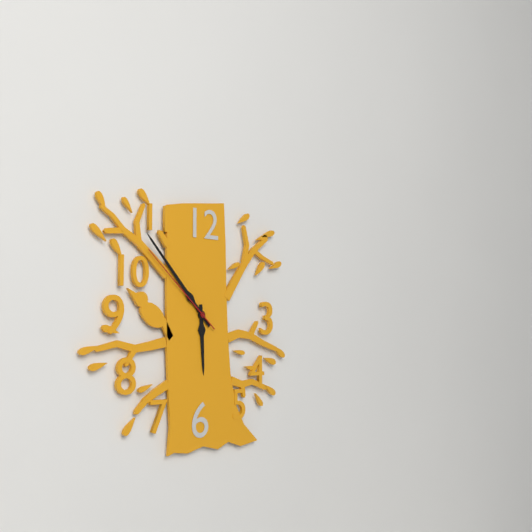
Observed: 5,53,52
